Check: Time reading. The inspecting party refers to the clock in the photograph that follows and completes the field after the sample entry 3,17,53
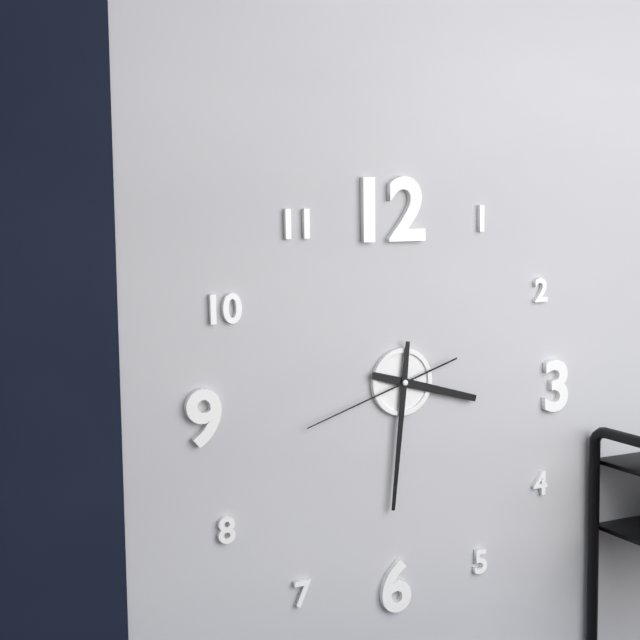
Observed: 3,31,42
